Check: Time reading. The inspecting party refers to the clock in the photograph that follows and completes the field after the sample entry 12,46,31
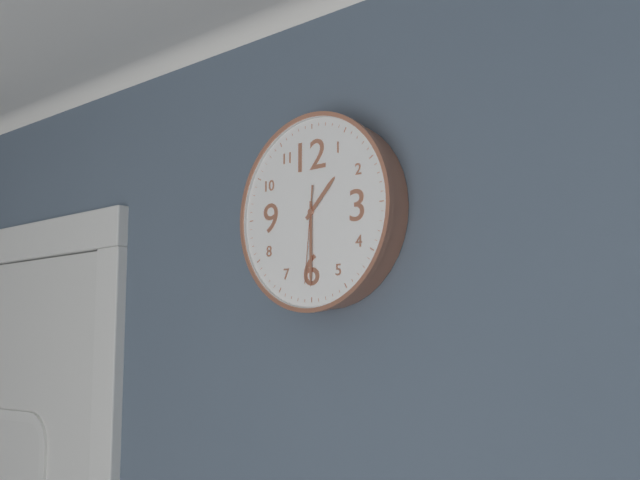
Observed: 1,30,31
